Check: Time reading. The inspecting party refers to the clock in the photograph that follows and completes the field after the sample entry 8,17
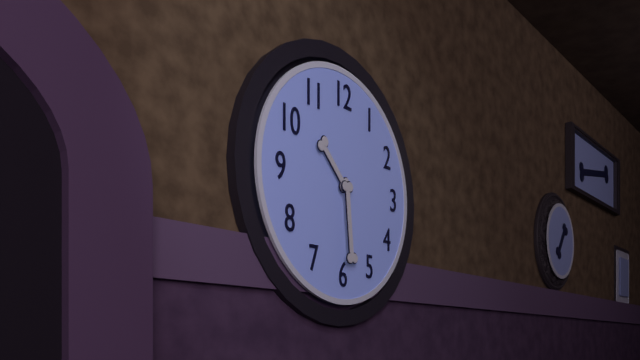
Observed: 10,29
